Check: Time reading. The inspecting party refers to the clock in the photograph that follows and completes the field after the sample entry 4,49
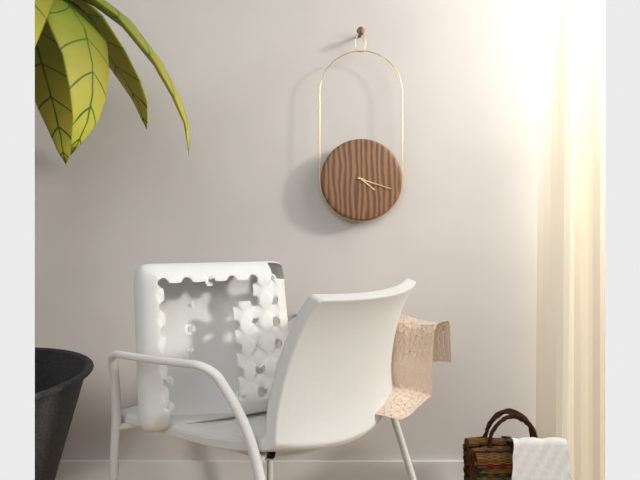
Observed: 4,18
